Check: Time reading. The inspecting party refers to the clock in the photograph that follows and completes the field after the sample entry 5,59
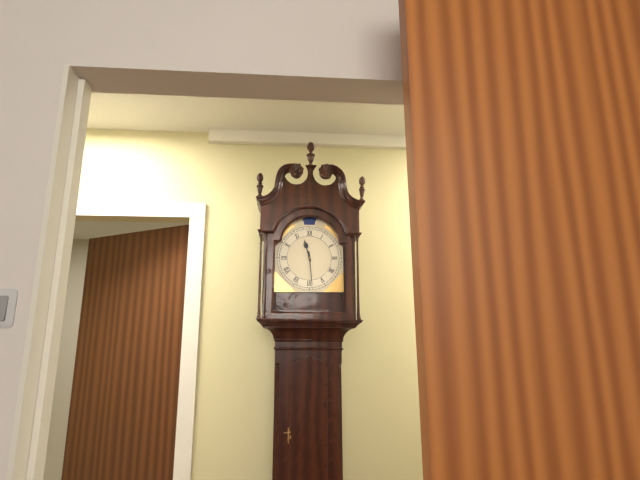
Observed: 11,29
